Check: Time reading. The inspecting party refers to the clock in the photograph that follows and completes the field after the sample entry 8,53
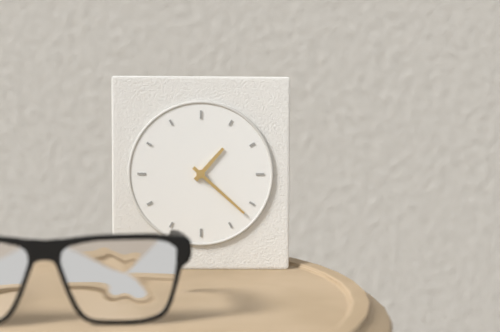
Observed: 1,22
